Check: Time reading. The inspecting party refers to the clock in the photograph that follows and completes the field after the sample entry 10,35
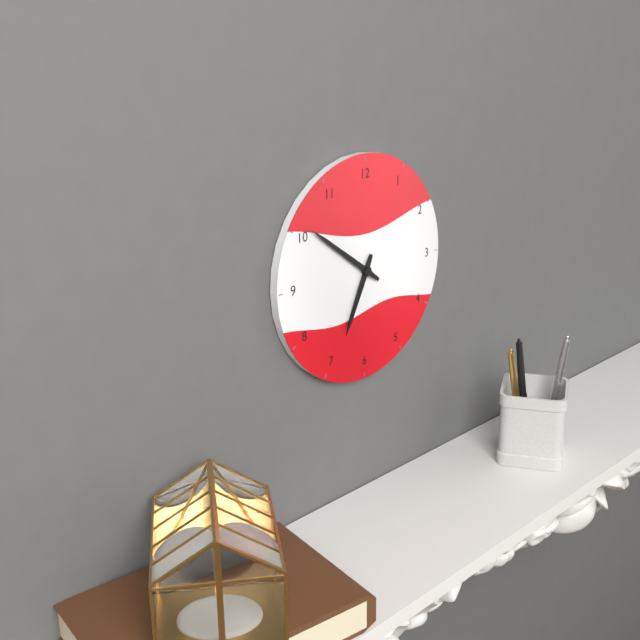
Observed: 6,51
